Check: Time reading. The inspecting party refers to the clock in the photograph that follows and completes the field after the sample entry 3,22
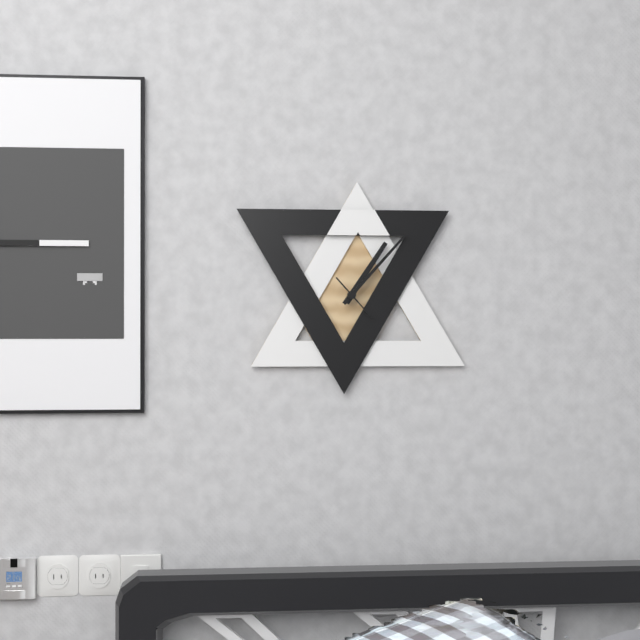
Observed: 1,07
